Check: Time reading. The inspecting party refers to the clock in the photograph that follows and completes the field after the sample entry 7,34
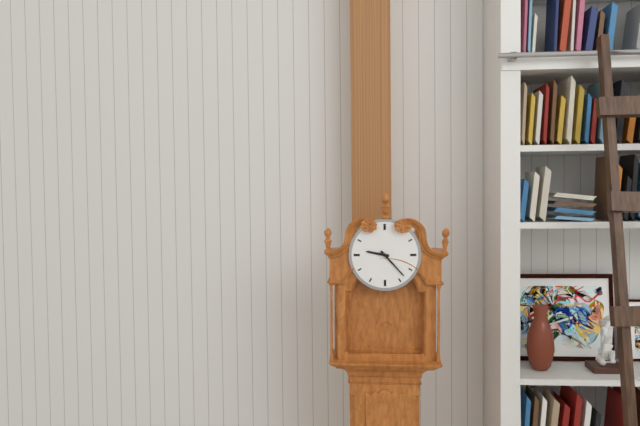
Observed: 9,23
